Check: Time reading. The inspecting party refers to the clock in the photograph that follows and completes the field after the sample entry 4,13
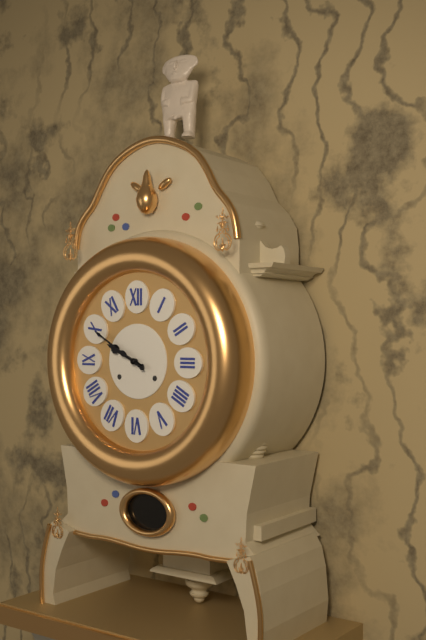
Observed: 9,50
